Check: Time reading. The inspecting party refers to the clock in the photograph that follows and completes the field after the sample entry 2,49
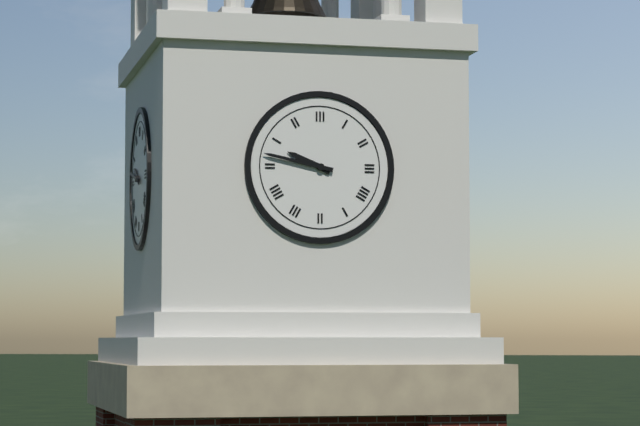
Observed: 9,47
